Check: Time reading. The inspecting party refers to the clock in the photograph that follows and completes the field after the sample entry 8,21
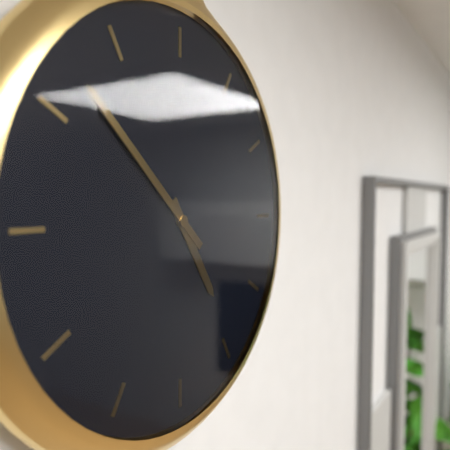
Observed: 4,52
